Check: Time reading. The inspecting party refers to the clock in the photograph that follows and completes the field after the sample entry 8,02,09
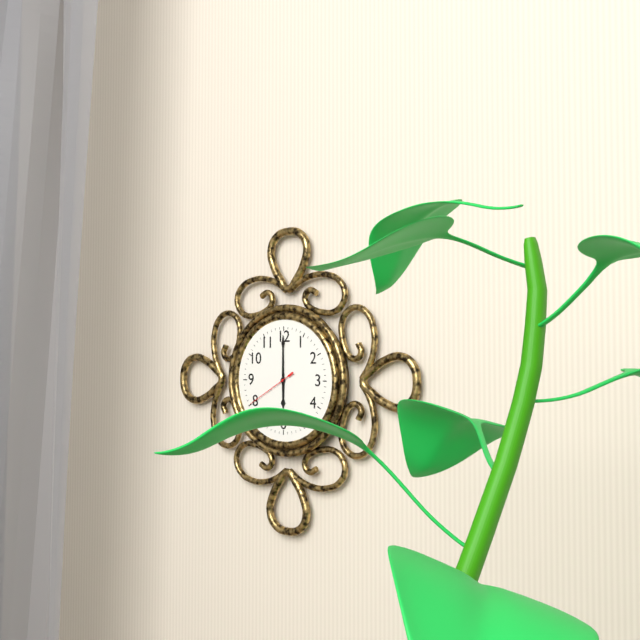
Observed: 6,00,40
